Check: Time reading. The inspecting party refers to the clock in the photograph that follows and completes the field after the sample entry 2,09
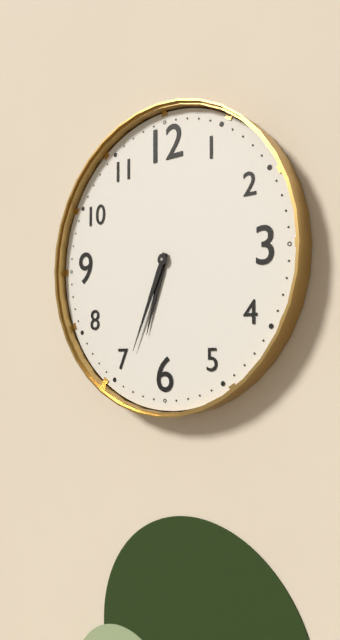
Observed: 6,34
